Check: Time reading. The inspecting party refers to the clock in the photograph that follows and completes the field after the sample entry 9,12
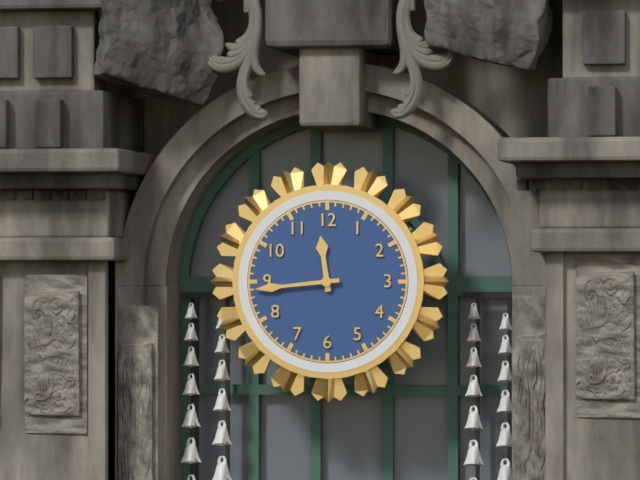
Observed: 11,44
